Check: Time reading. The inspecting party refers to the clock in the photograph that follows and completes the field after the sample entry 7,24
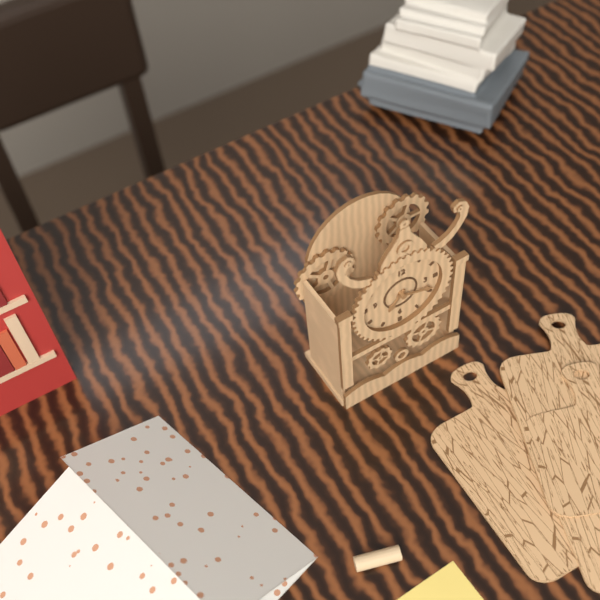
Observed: 7,18
